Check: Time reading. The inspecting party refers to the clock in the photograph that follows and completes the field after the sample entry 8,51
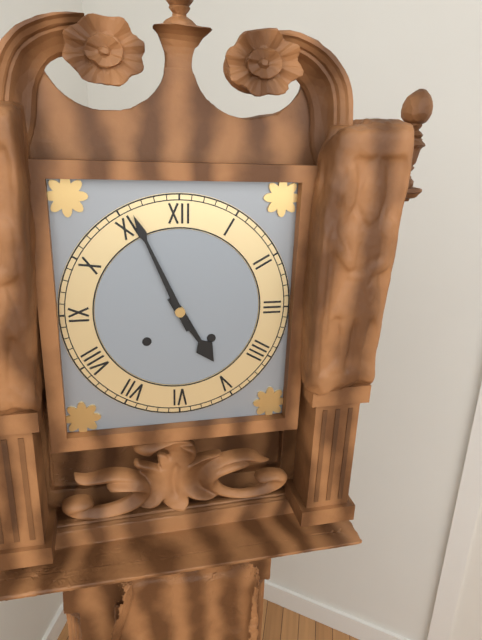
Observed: 4,56
